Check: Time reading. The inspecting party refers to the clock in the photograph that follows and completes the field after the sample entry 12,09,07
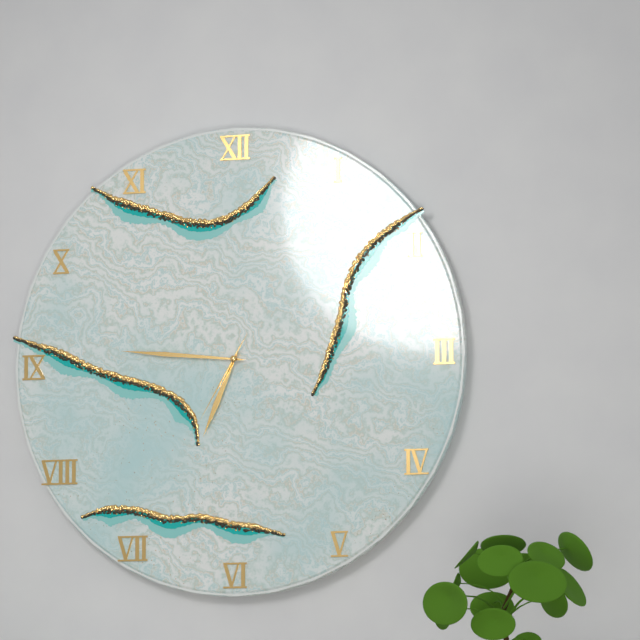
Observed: 6,46,35
